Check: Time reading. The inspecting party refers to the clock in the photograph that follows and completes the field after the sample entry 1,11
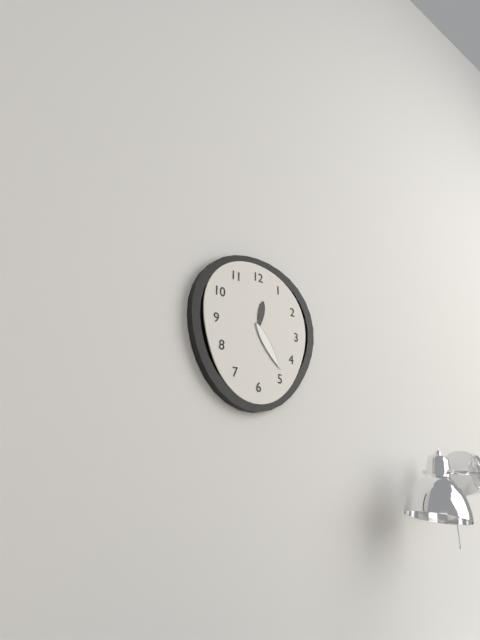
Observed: 12,24
